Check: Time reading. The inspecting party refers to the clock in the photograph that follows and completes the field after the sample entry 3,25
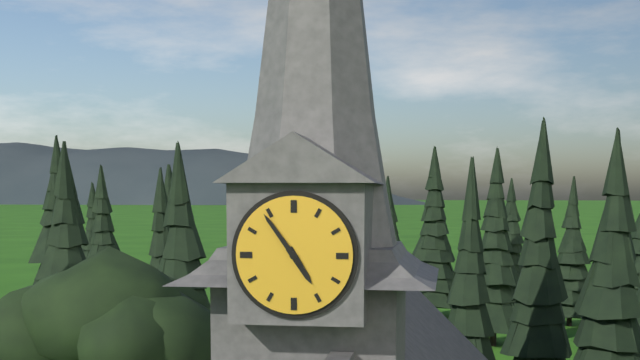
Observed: 4,54
